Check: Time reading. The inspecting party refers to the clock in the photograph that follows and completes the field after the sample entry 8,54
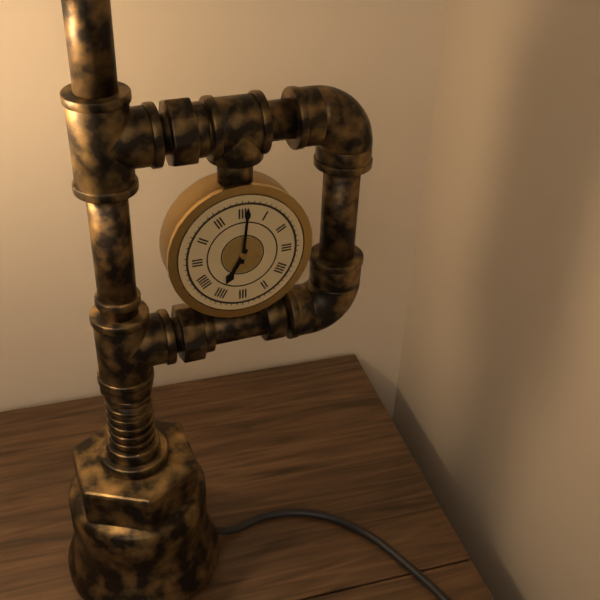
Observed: 7,01
